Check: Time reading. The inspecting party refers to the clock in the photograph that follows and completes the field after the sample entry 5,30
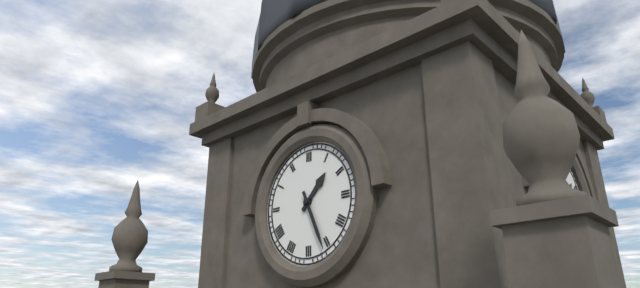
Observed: 1,26
